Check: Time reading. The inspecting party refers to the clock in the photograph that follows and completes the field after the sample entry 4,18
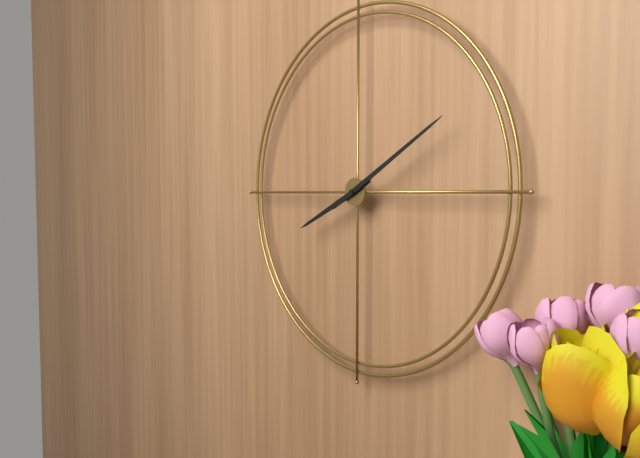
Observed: 8,10
